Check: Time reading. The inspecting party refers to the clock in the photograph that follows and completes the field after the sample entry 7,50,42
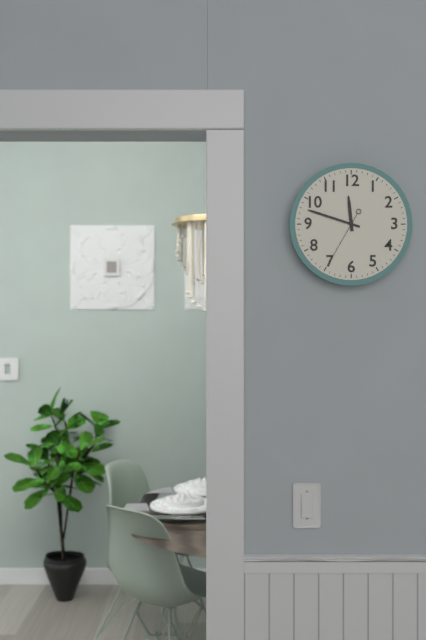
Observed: 11,48,35
